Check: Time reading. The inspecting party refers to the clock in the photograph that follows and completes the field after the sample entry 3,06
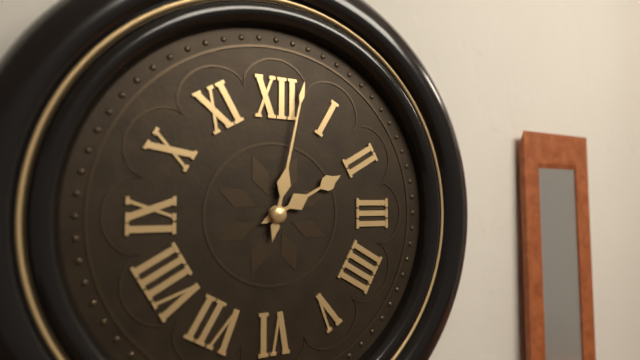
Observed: 2,02
